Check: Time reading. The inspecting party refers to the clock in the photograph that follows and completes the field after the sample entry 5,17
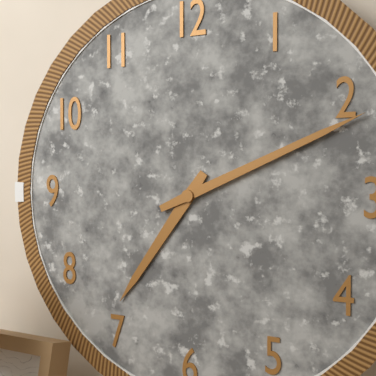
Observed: 7,11
